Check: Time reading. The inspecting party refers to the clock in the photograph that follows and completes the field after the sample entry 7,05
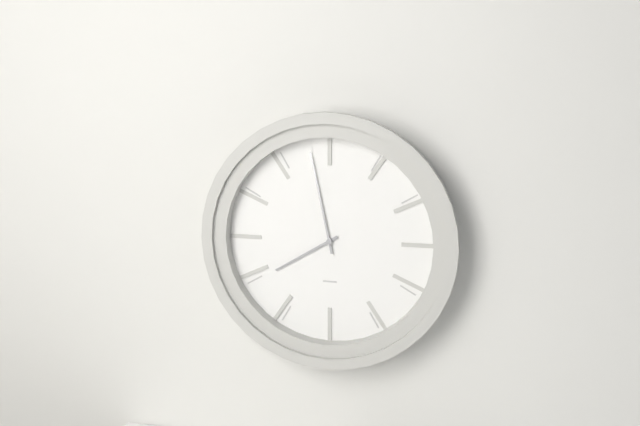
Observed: 7,58
